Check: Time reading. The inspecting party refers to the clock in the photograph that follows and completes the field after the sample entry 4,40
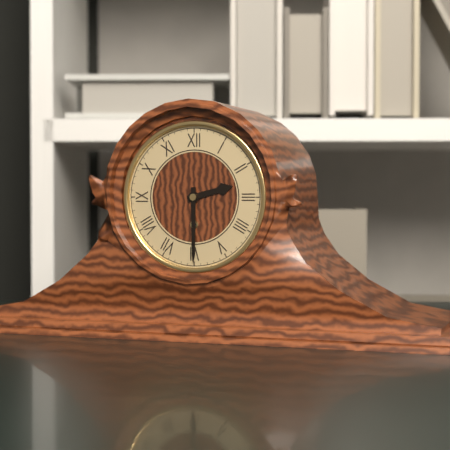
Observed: 2,30
